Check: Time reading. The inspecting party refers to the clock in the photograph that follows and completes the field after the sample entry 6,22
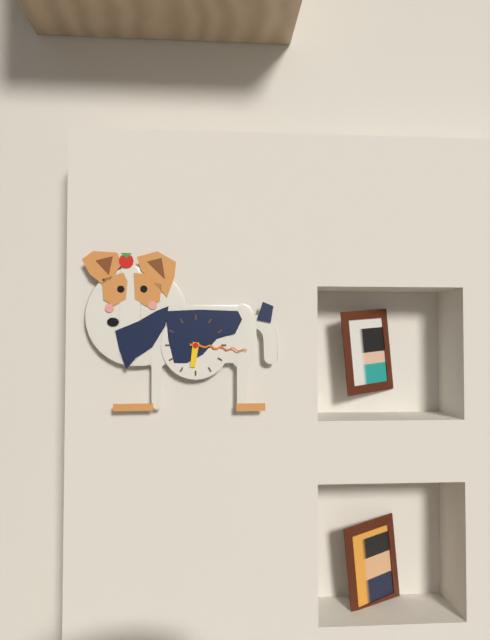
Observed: 6,16
